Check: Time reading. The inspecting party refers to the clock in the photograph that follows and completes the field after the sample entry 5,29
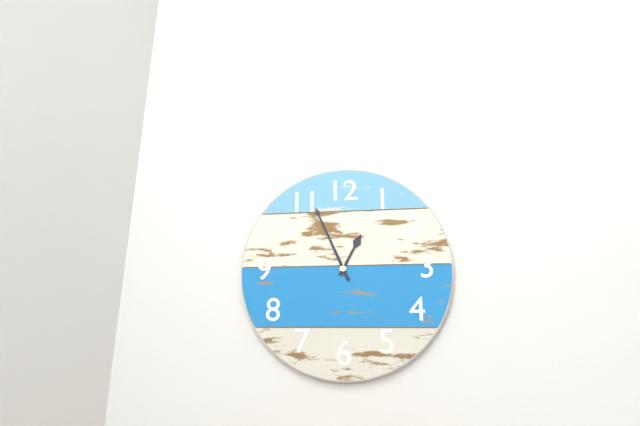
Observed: 12,56
